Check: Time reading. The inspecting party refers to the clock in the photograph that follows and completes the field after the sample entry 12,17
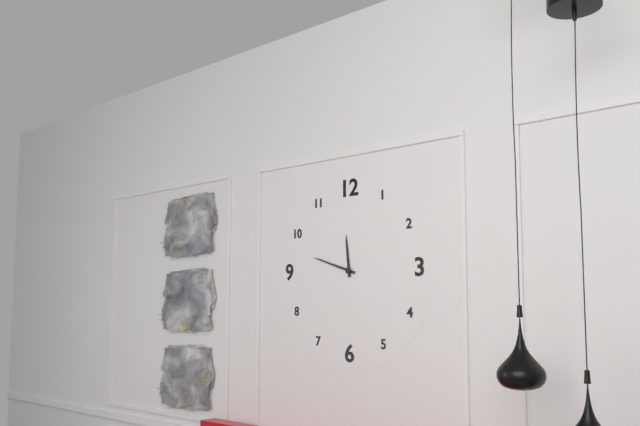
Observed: 11,48
